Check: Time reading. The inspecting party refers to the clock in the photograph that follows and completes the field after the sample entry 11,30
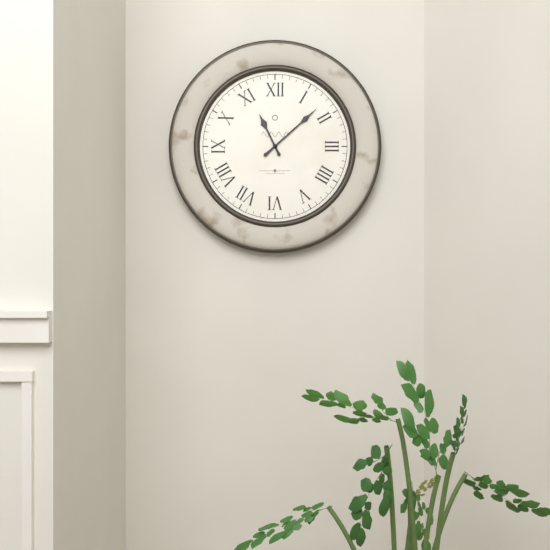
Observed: 11,08
